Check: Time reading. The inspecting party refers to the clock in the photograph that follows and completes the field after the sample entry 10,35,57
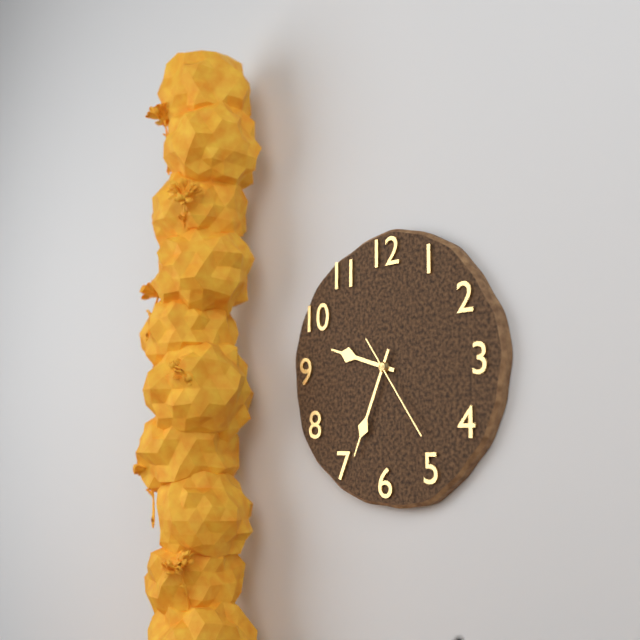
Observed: 9,34,24
